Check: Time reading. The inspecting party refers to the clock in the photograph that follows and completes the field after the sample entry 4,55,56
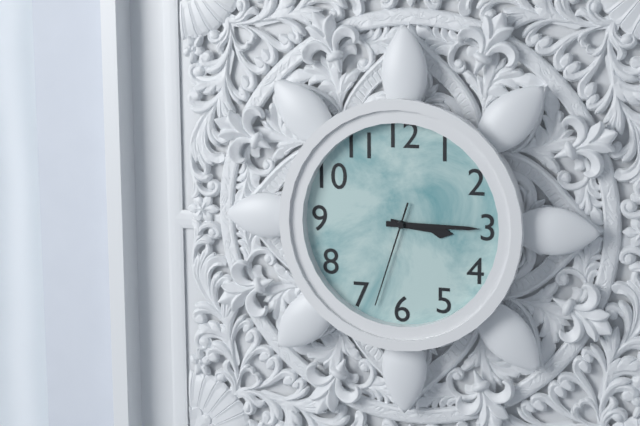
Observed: 3,15,33
